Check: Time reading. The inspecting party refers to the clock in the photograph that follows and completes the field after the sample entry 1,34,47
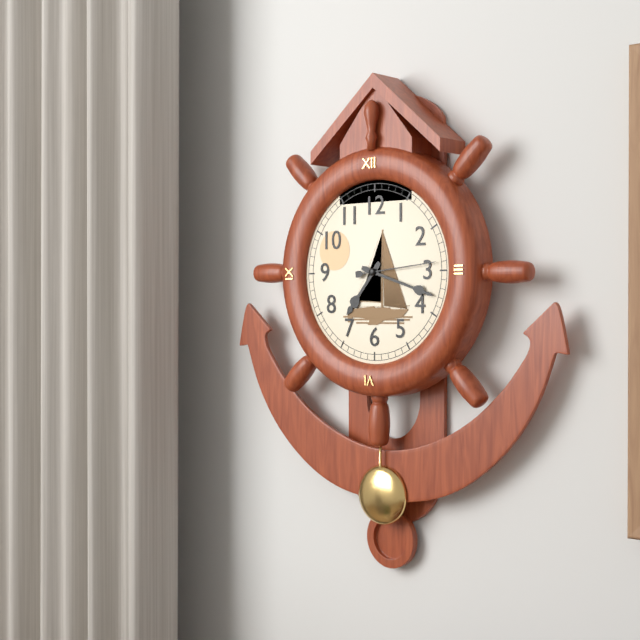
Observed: 7,18,14
